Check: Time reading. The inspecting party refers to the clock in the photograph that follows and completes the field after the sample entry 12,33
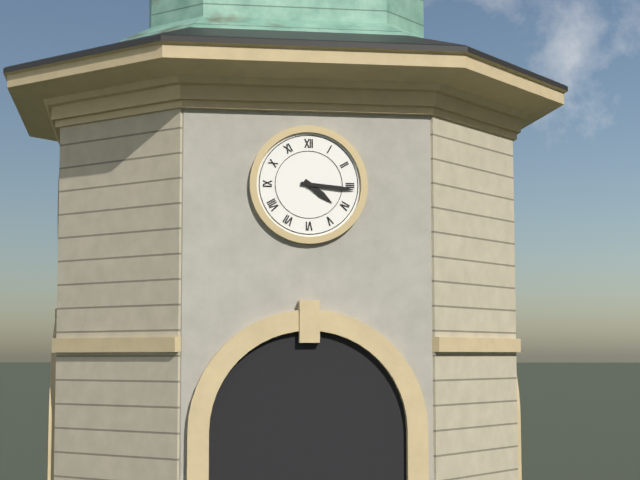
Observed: 4,16
